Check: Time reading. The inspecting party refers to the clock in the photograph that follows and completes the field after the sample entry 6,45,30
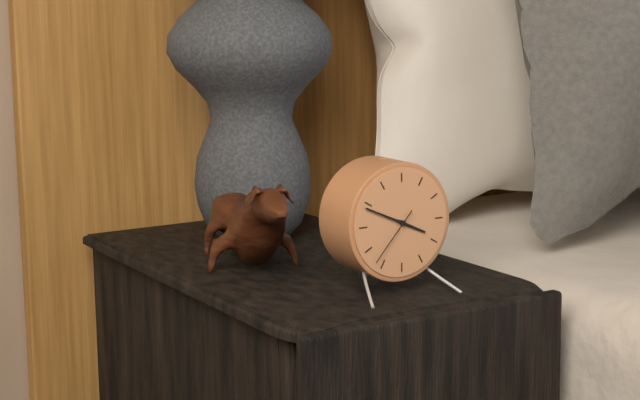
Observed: 3,49,37
